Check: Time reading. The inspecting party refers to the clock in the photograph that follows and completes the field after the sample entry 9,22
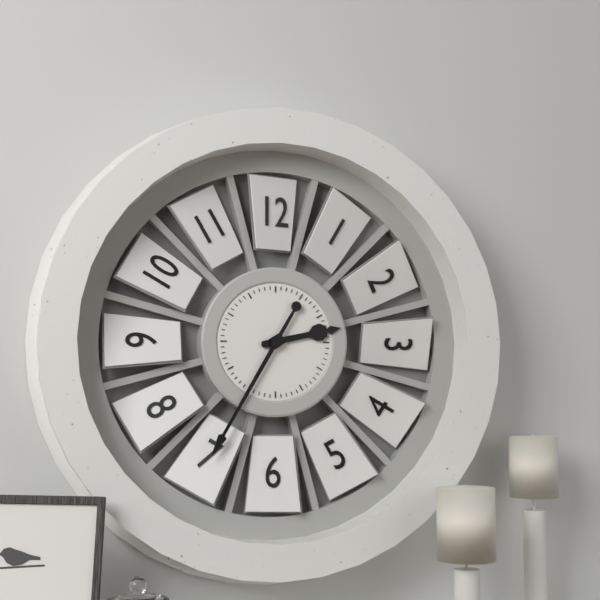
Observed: 2,35
